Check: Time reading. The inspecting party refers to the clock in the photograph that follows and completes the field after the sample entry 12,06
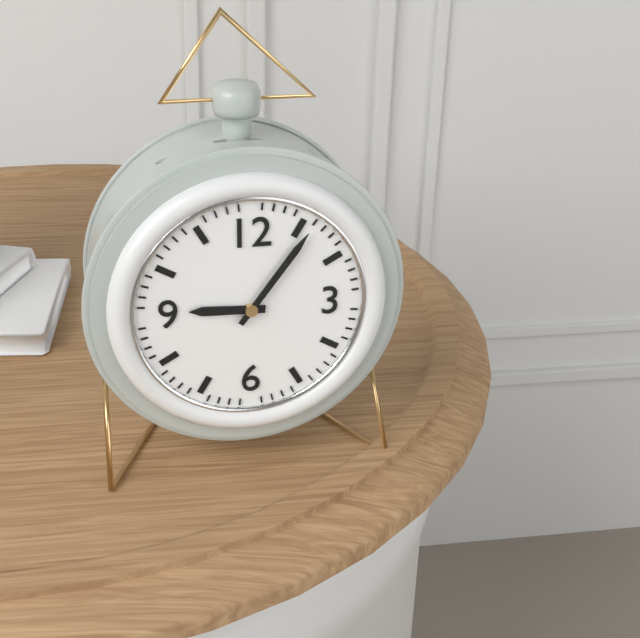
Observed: 9,06
